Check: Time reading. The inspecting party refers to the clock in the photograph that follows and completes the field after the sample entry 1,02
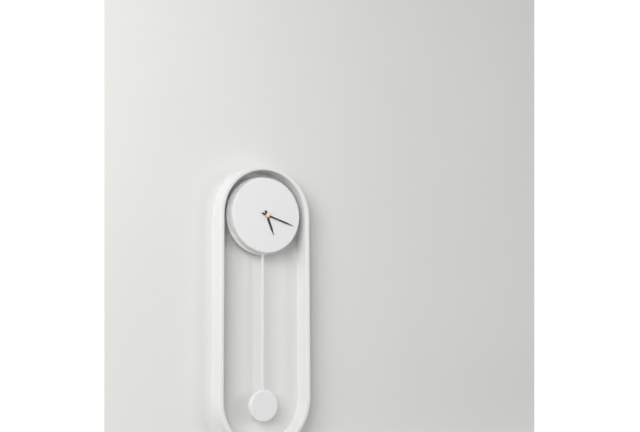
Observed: 5,18
